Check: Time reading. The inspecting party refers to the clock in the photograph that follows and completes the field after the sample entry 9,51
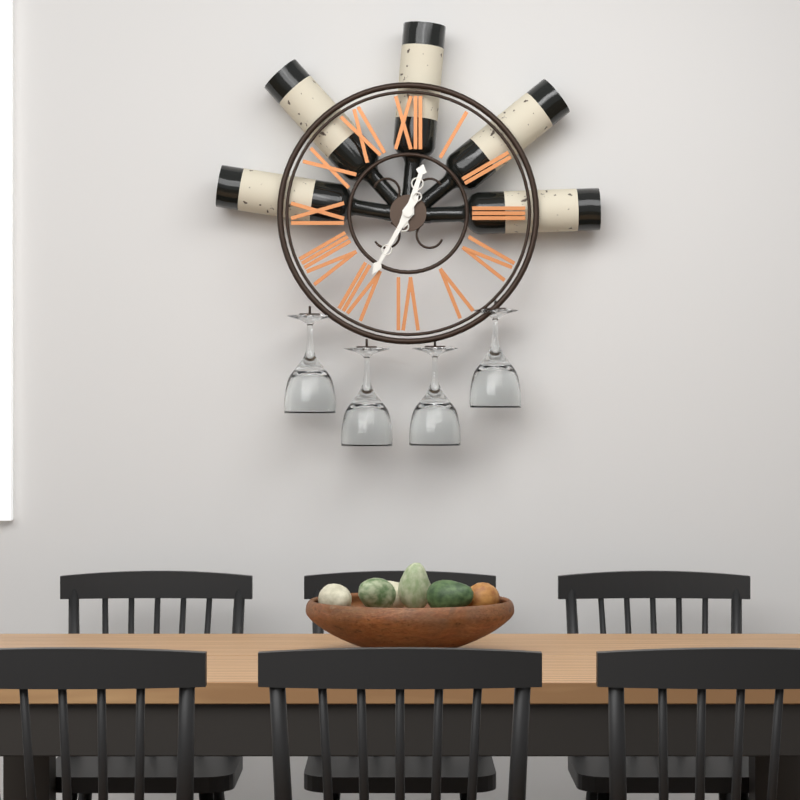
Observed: 12,35
